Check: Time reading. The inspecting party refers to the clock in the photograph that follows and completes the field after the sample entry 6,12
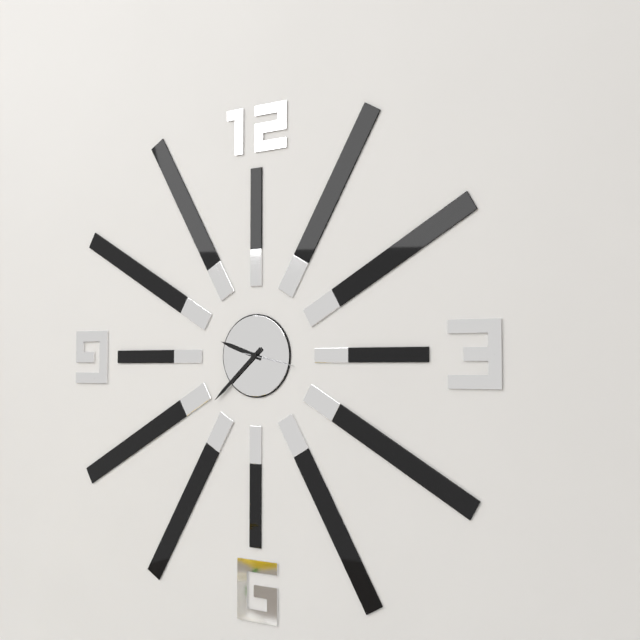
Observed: 9,38
